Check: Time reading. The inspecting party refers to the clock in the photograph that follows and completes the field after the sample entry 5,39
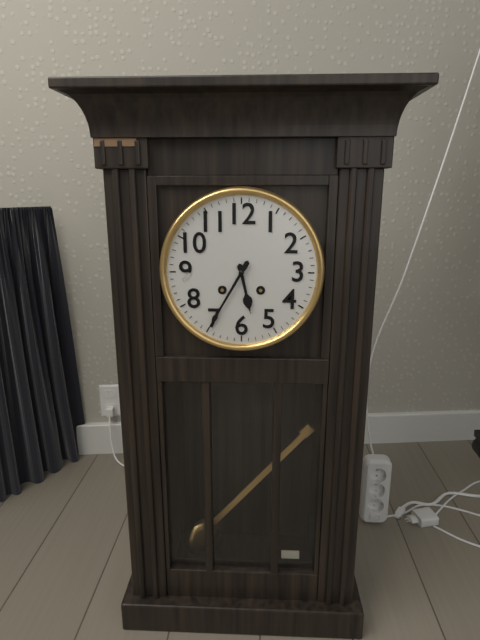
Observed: 5,35
